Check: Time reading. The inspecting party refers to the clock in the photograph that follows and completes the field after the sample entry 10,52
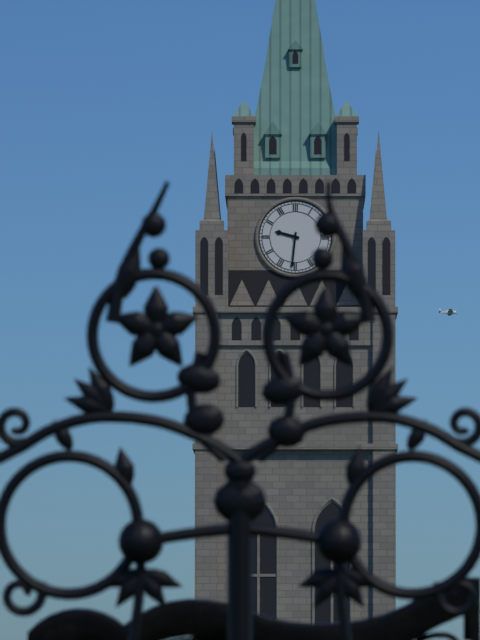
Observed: 9,31
